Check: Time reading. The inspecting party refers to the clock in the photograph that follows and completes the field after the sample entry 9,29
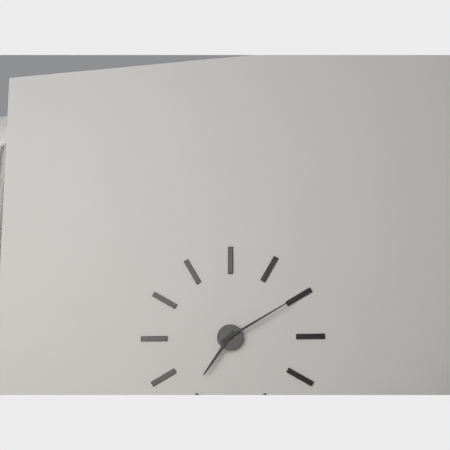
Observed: 7,10
